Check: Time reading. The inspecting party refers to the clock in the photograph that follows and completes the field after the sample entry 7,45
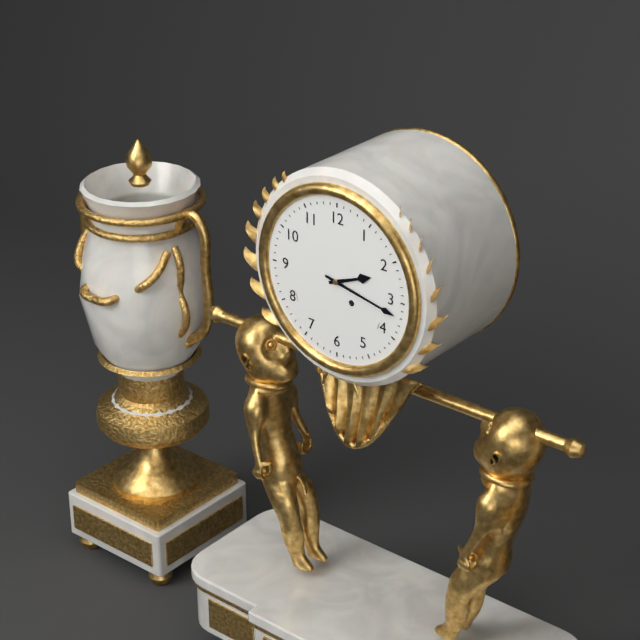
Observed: 2,17
